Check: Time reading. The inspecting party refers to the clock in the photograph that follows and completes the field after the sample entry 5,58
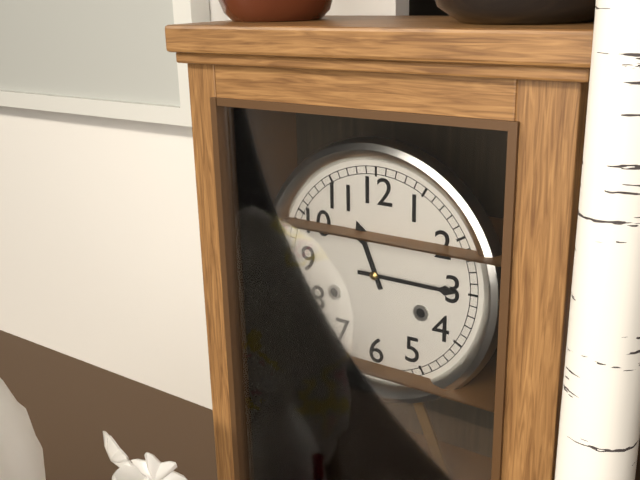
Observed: 11,15
